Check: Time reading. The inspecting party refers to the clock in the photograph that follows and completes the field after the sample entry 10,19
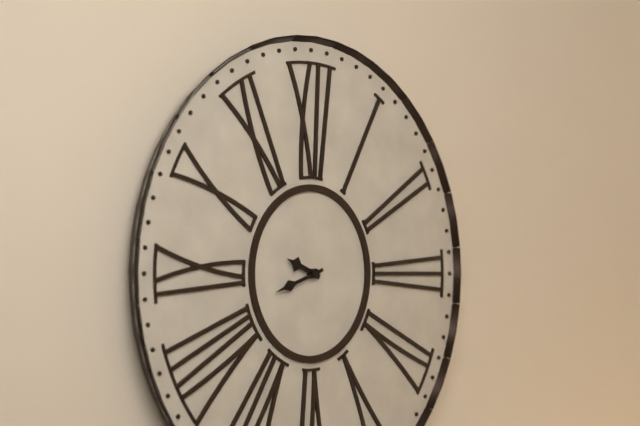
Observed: 9,42
